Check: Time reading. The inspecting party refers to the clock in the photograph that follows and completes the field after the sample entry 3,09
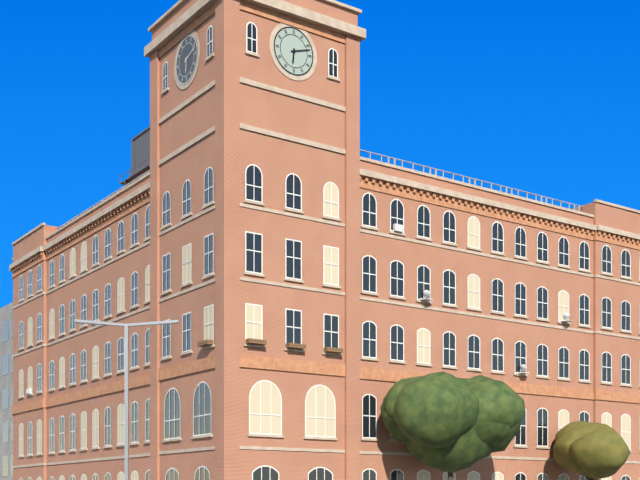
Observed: 6,12
